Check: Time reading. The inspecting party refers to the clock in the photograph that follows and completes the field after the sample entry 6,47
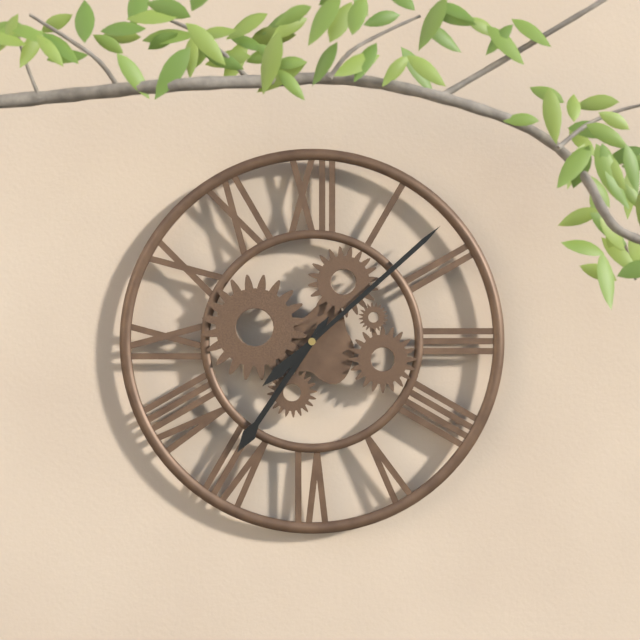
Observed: 7,08
